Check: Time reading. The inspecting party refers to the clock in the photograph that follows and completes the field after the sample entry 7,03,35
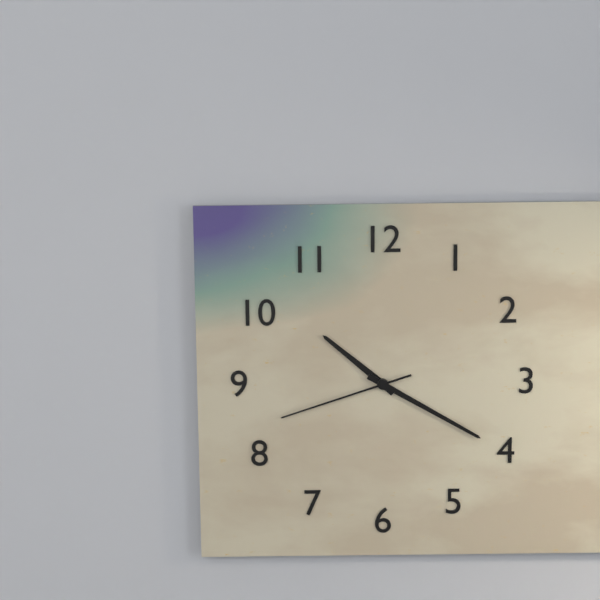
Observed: 10,20,42
